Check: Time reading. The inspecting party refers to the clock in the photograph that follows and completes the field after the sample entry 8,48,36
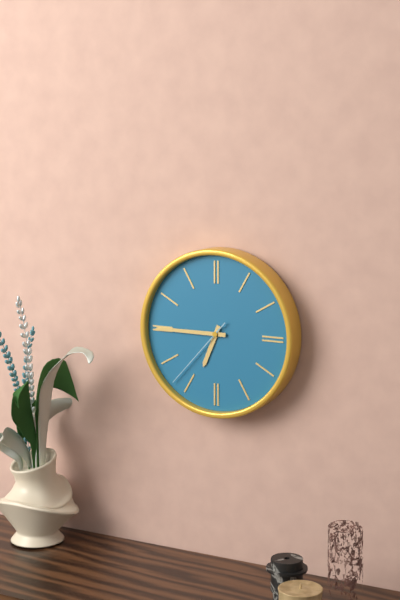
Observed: 6,45,37
